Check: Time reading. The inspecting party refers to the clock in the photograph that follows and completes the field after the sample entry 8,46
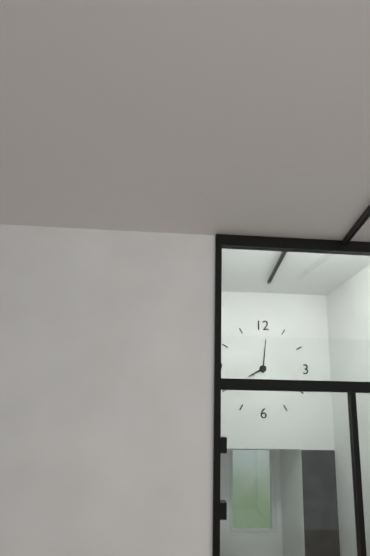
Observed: 8,01
